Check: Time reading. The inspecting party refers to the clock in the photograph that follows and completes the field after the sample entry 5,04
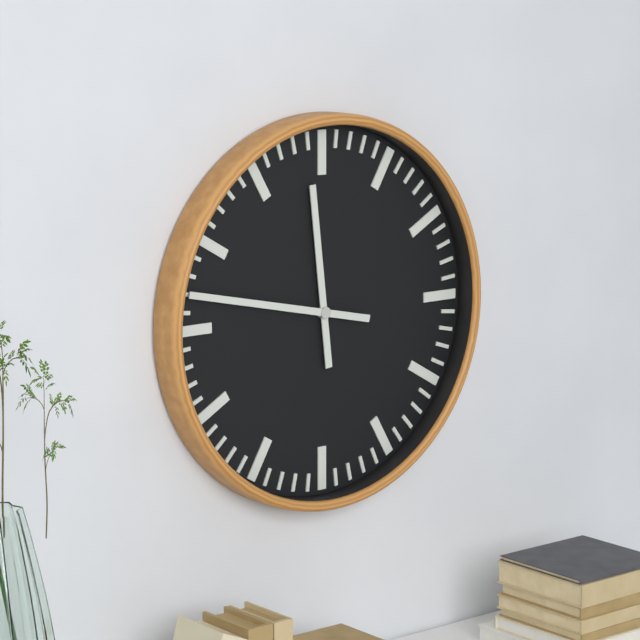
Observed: 11,47
